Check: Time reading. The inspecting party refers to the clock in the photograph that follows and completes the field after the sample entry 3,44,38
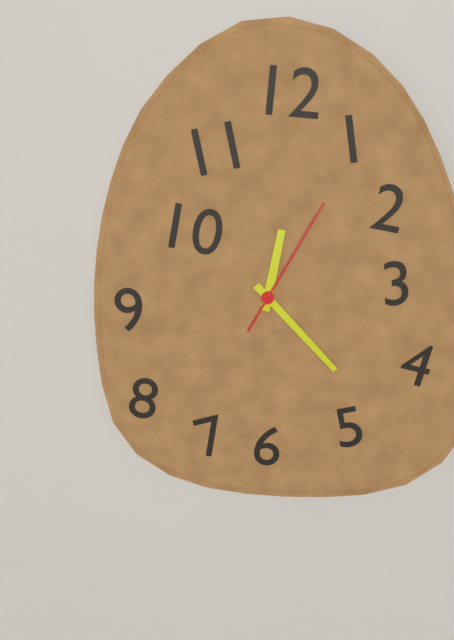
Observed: 12,23,05
